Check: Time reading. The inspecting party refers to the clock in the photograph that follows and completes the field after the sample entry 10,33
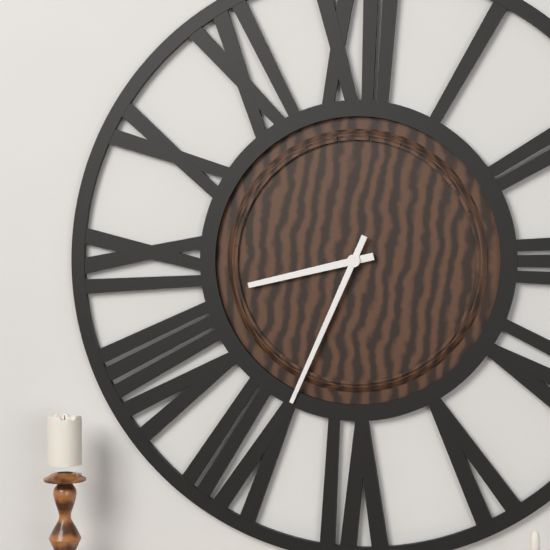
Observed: 8,34
